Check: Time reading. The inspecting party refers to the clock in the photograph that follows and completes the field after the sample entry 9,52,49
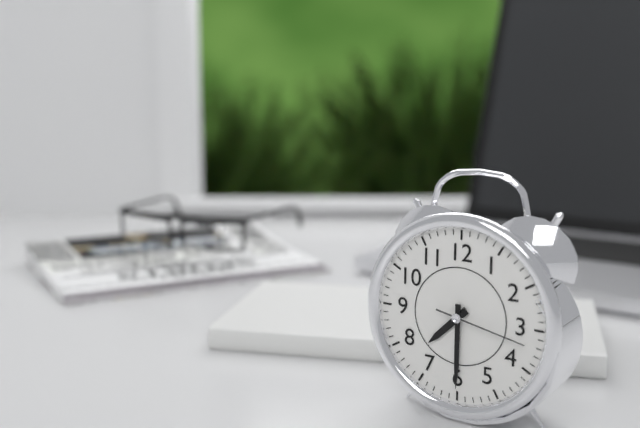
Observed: 7,30,17
